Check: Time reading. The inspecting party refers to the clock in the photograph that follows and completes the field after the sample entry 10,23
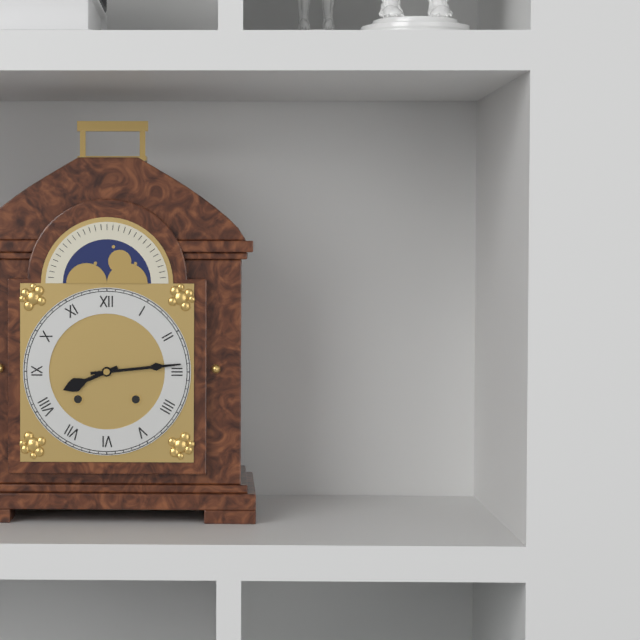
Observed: 8,14
